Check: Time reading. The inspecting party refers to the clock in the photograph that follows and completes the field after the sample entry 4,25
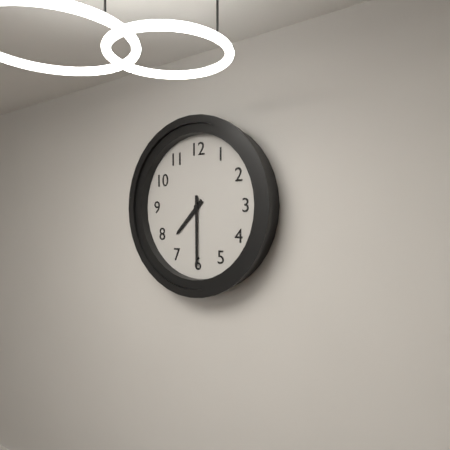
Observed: 7,30
